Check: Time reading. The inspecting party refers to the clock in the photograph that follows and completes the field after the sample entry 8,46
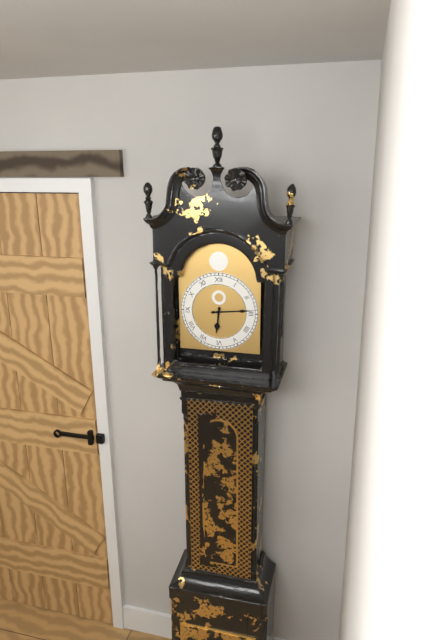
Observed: 6,14
